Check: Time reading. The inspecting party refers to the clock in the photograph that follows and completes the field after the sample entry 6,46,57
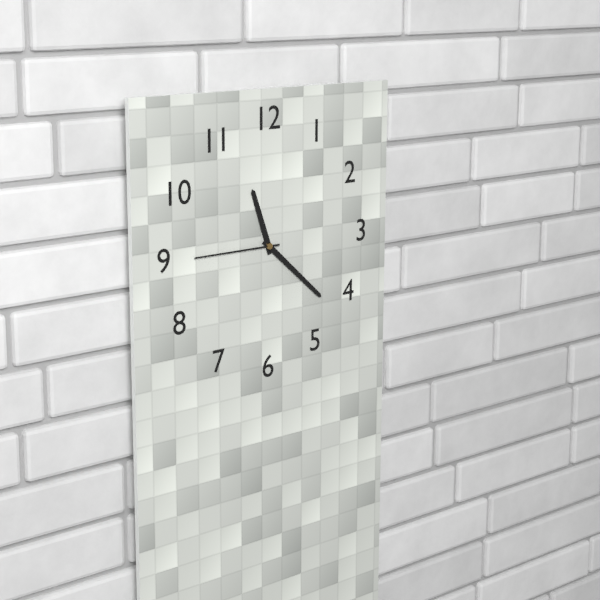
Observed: 11,22,45
